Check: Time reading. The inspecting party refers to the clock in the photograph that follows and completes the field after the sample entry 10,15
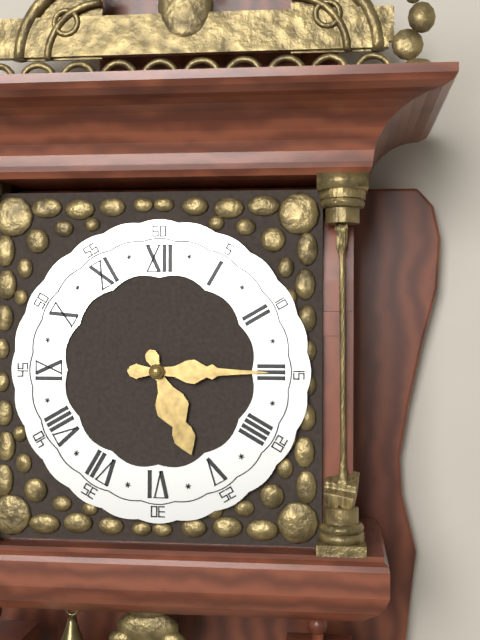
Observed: 5,15
